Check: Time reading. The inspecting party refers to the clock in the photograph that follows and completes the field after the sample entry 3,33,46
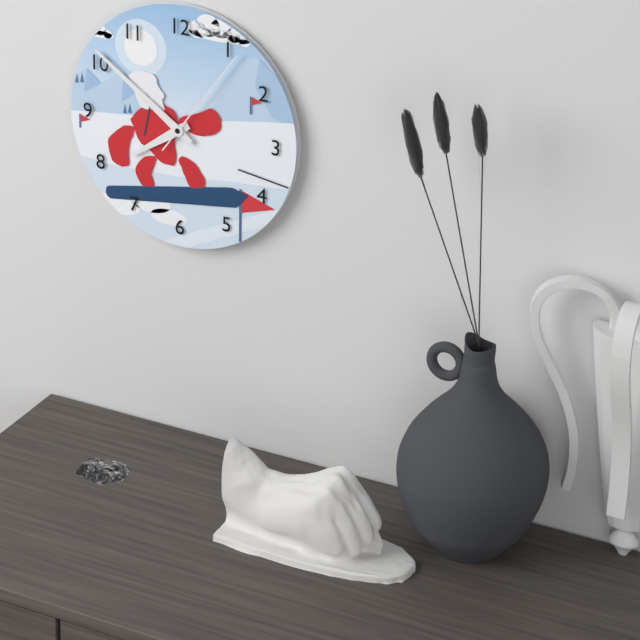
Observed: 7,51,06
